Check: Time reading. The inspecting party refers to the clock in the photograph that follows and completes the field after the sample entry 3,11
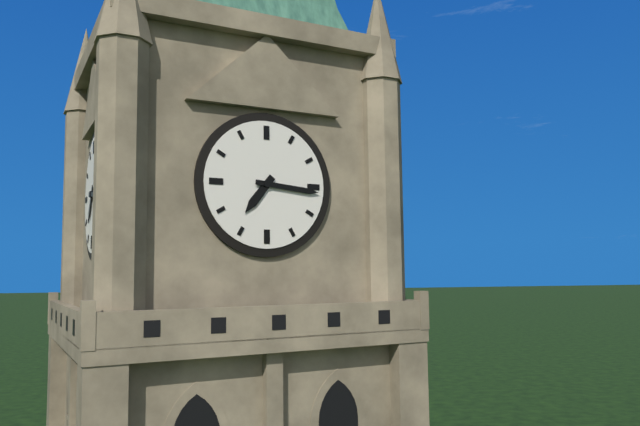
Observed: 7,16
